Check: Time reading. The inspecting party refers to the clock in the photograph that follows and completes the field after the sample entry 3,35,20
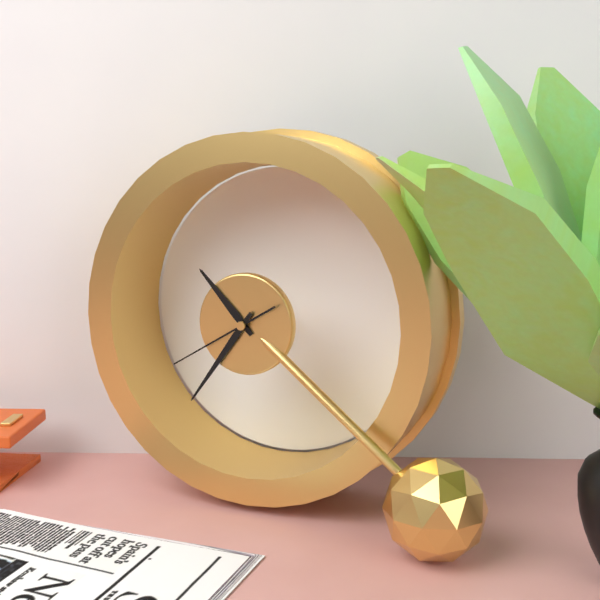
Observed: 10,36,40
